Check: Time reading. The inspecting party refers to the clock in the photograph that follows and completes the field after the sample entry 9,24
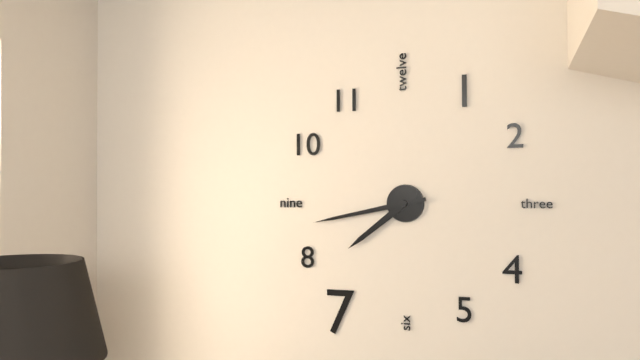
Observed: 7,43
